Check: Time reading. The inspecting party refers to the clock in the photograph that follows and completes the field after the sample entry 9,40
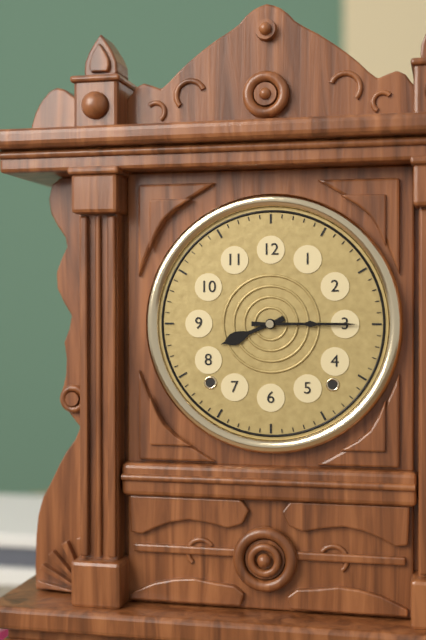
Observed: 8,15
